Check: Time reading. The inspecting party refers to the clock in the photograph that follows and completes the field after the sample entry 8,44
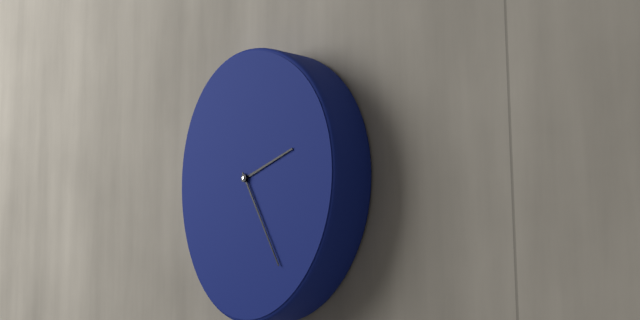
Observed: 2,25
